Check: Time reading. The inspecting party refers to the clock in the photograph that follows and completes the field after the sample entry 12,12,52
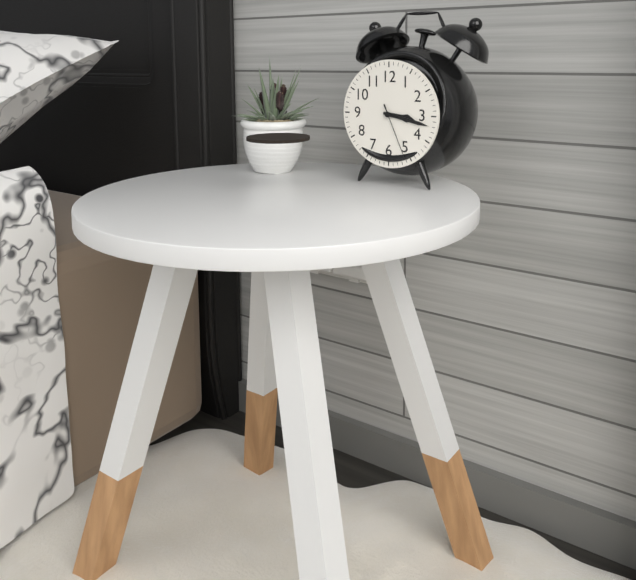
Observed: 3,17,26
